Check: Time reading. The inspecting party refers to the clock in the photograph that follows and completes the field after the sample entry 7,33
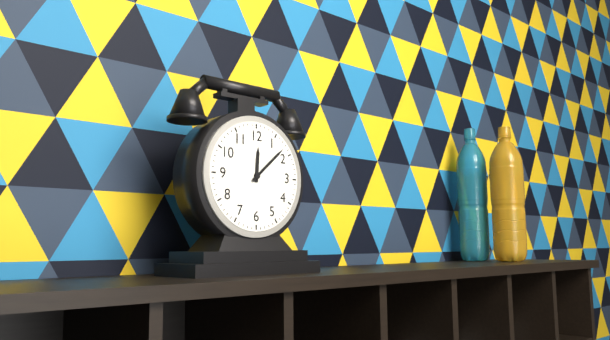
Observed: 12,08
